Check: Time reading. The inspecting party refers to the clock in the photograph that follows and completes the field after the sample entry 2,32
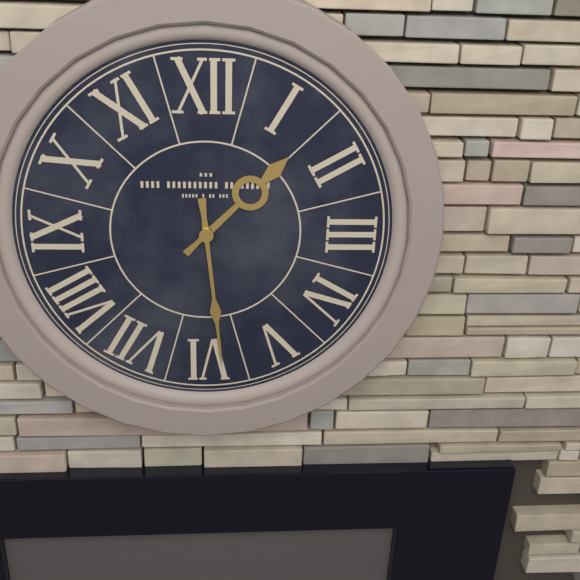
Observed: 1,29
